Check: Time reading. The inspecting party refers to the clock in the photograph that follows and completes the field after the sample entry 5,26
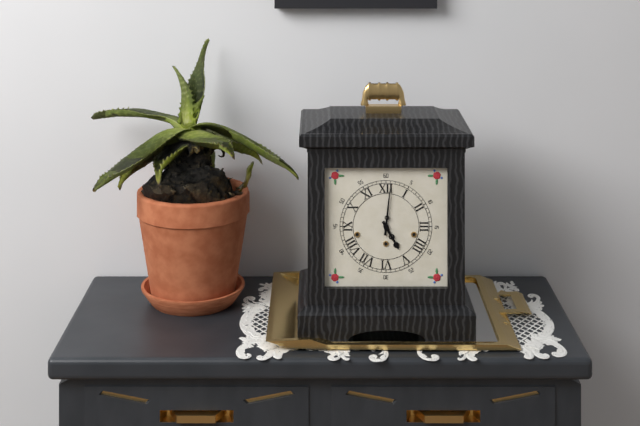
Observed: 5,01
